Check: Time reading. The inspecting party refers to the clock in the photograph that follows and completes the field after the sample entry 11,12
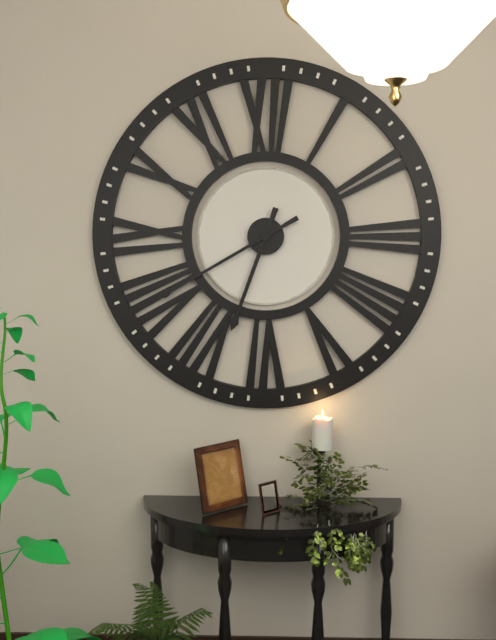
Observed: 6,40
